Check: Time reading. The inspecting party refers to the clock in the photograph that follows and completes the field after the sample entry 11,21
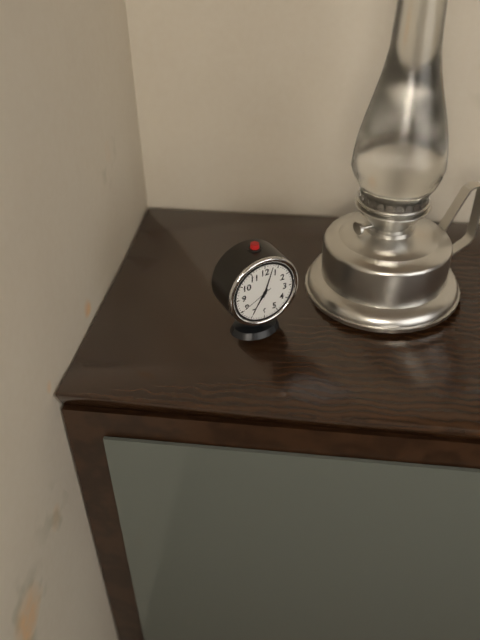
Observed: 7,03
